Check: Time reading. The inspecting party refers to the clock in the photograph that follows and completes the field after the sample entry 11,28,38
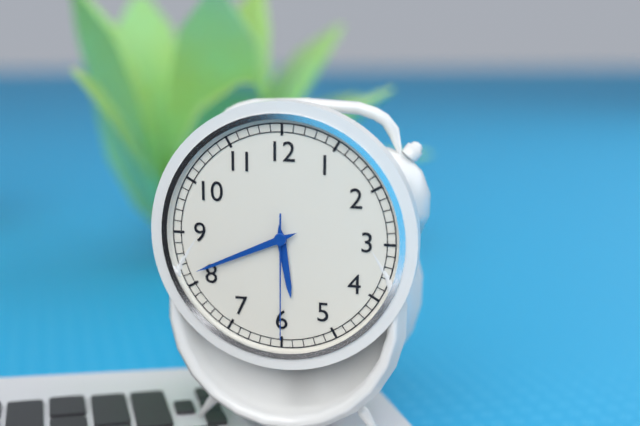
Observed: 5,41,30
